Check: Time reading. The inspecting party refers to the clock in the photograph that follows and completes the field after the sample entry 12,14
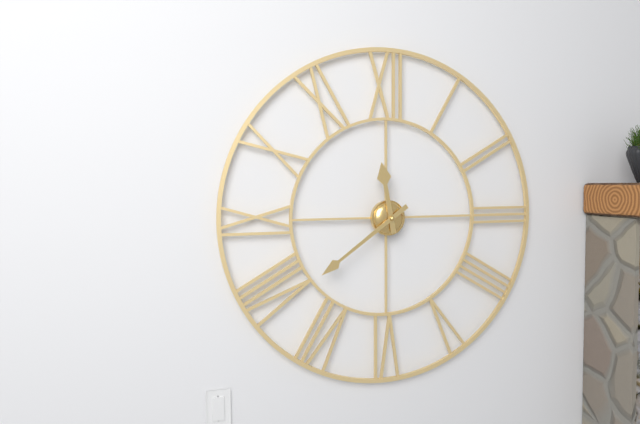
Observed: 11,39
